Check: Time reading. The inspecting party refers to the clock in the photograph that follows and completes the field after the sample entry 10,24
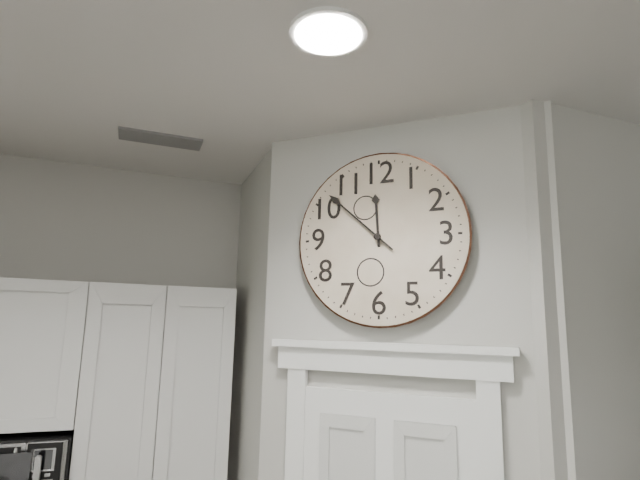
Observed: 11,52
